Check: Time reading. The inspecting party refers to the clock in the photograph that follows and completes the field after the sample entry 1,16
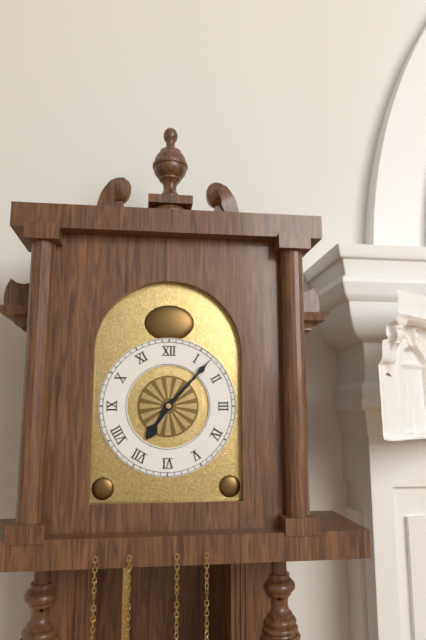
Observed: 7,07
